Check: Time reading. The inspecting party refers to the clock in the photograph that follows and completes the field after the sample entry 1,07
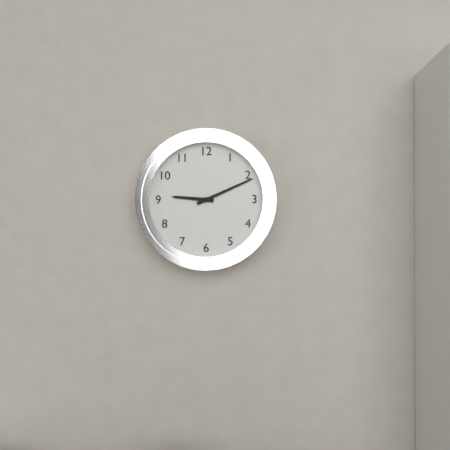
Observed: 9,11
